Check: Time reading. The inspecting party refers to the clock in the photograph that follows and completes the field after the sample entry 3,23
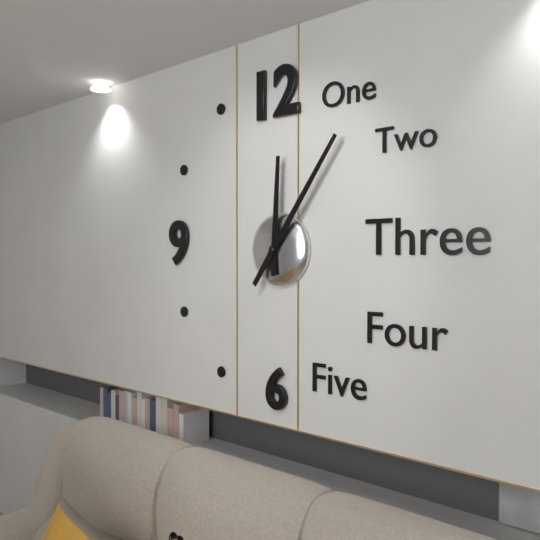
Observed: 12,06
